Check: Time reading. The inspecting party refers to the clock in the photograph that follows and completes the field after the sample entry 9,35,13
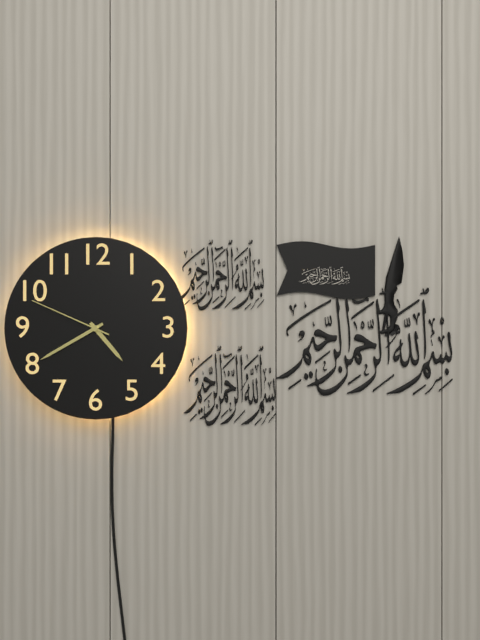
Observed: 4,40,49
